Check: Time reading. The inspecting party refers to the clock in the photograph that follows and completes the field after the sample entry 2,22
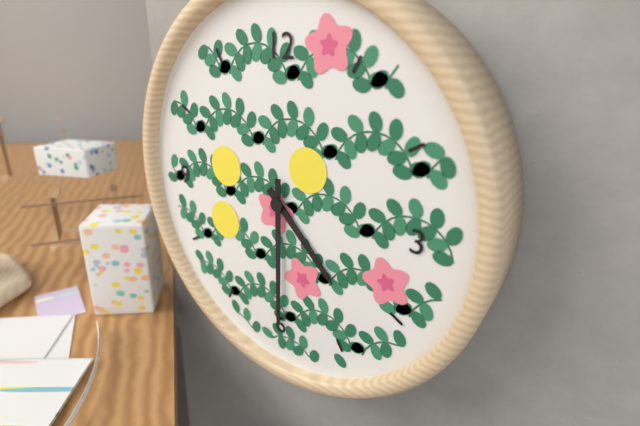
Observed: 4,30
